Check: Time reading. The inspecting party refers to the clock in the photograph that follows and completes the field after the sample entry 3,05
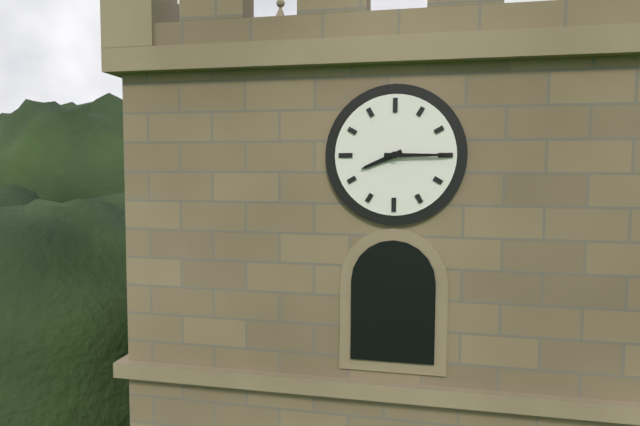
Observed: 8,15
